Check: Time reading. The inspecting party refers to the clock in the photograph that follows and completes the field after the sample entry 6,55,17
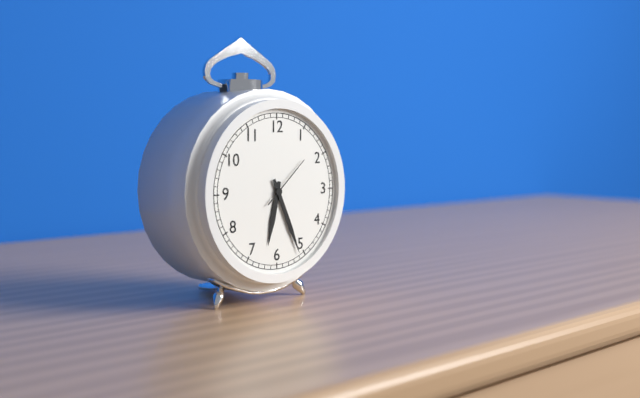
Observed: 6,26,08
